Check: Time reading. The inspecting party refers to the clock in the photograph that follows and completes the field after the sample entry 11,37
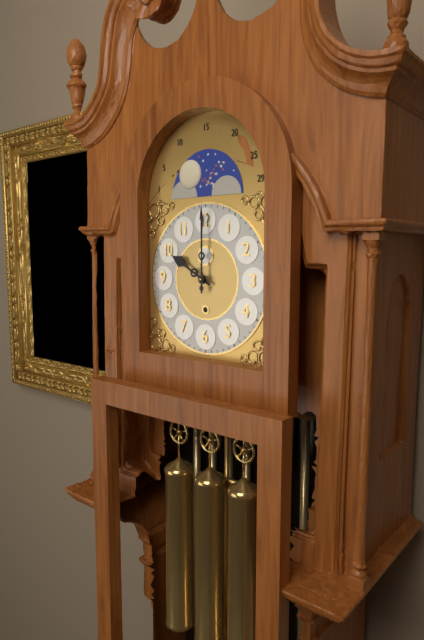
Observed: 10,00
